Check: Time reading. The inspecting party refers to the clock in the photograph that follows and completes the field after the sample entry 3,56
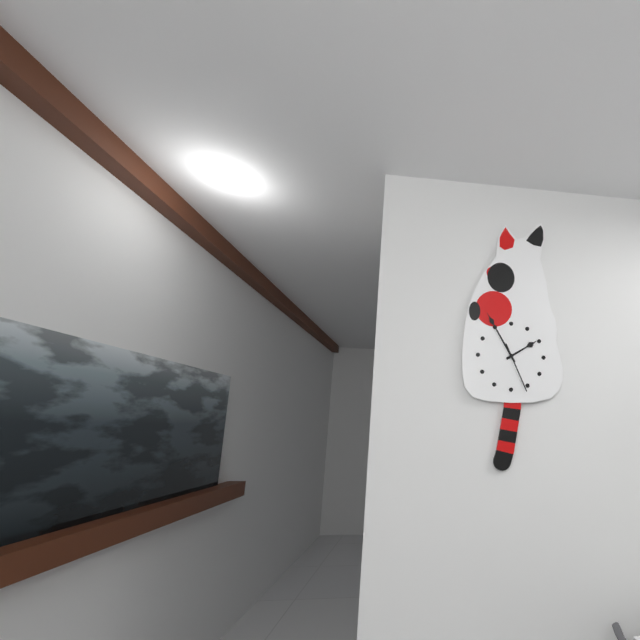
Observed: 1,55
